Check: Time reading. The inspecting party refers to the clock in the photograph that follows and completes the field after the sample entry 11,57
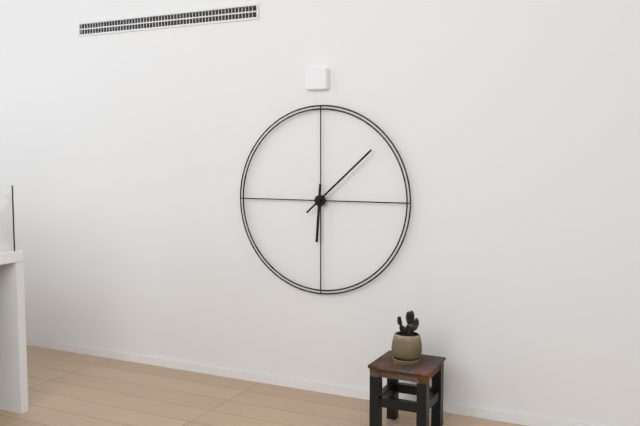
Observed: 6,08
